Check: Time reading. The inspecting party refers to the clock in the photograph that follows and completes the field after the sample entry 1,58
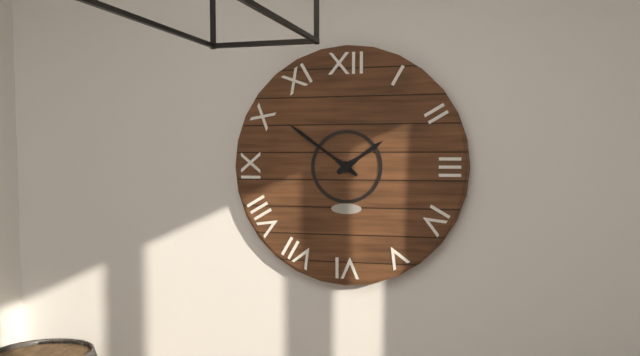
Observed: 1,51
